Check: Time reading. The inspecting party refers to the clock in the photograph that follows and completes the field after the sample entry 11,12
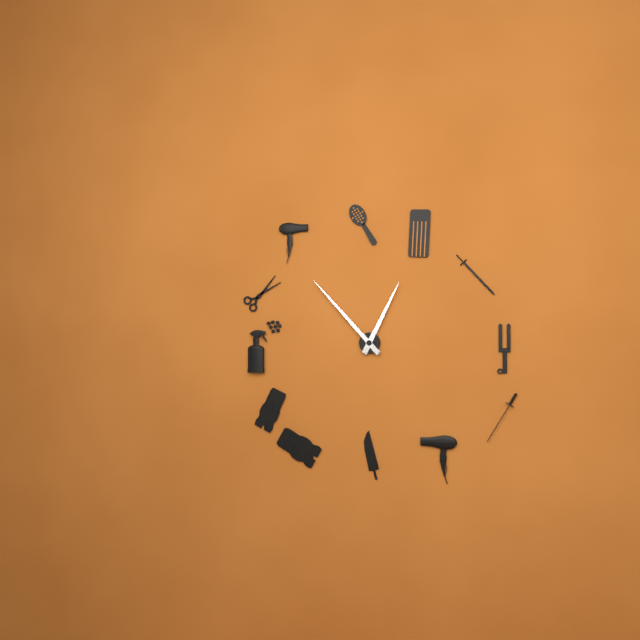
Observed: 12,53
